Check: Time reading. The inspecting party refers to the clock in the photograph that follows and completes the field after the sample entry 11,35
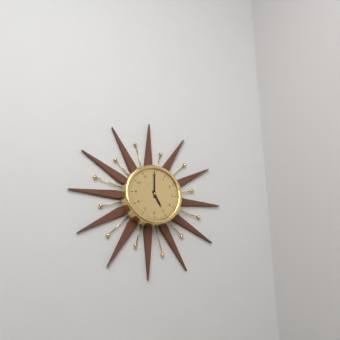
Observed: 5,00
